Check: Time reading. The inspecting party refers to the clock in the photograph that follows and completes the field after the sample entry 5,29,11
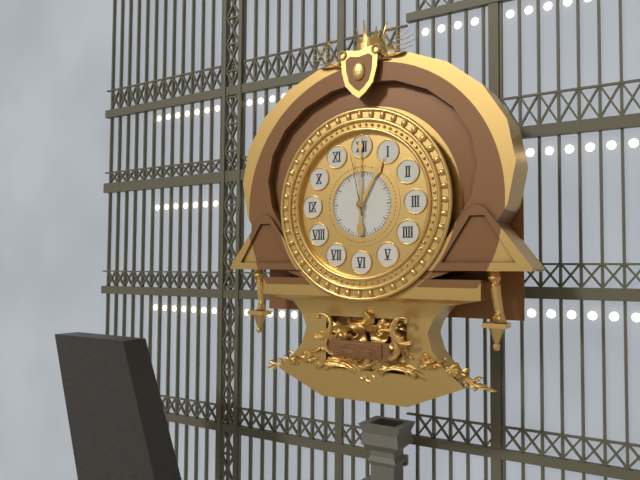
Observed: 1,00,58
